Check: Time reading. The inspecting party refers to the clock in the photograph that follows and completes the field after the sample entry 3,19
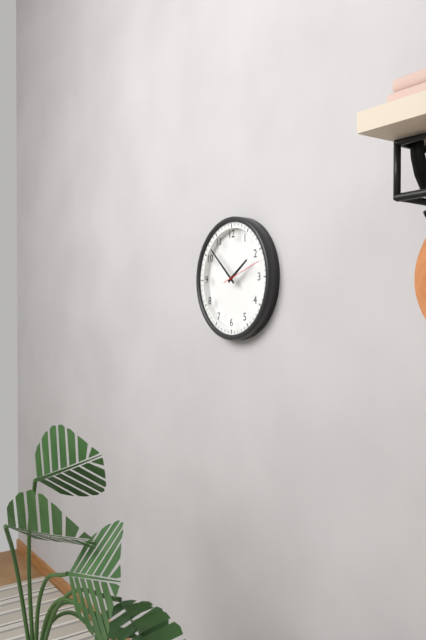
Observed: 1,52
